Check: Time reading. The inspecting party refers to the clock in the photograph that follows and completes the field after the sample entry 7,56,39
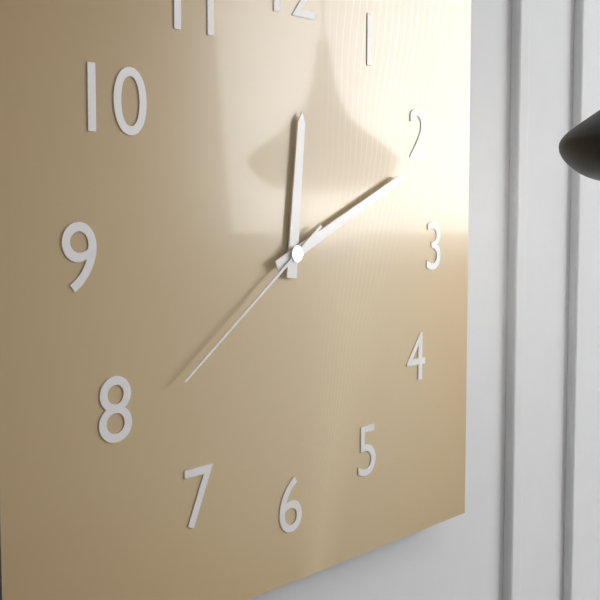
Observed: 12,11,39
